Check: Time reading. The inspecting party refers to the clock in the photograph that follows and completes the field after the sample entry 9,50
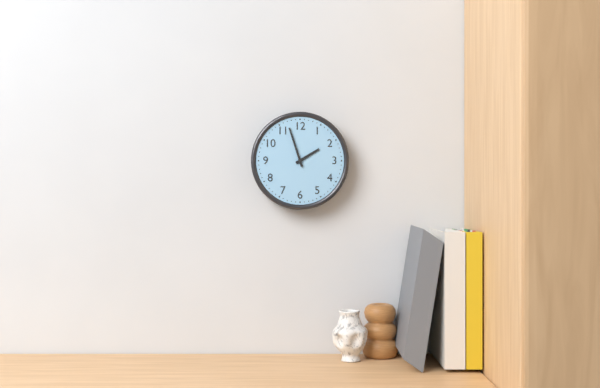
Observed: 1,57
